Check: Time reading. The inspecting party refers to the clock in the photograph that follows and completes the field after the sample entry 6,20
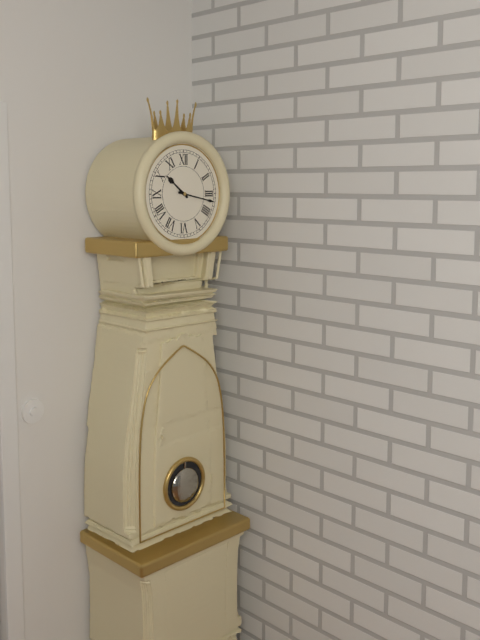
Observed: 10,17
